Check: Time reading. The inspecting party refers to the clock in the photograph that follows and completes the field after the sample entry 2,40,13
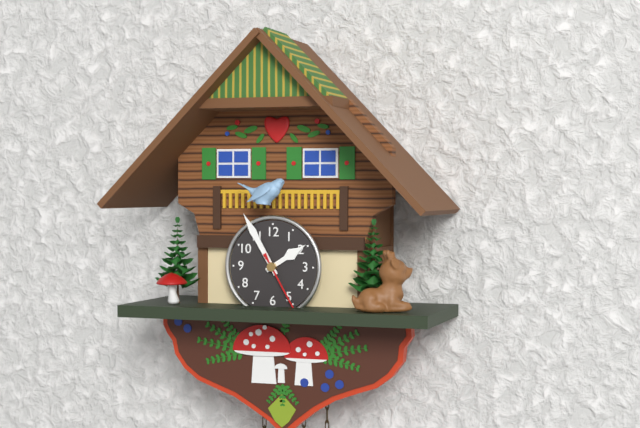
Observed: 1,55,25
